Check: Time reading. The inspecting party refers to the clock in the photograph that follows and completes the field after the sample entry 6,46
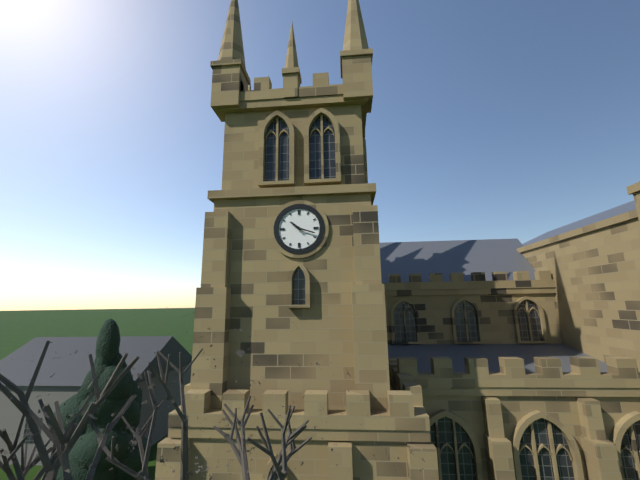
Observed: 10,18
